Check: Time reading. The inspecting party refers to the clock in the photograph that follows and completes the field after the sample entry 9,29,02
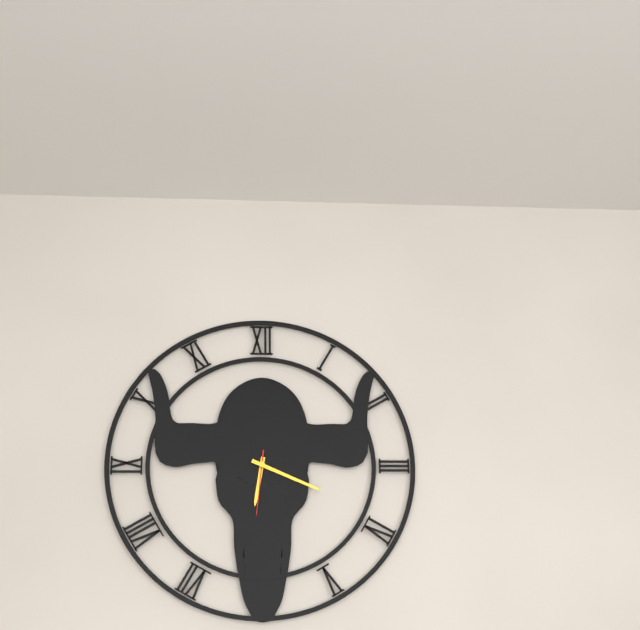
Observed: 6,19,31
